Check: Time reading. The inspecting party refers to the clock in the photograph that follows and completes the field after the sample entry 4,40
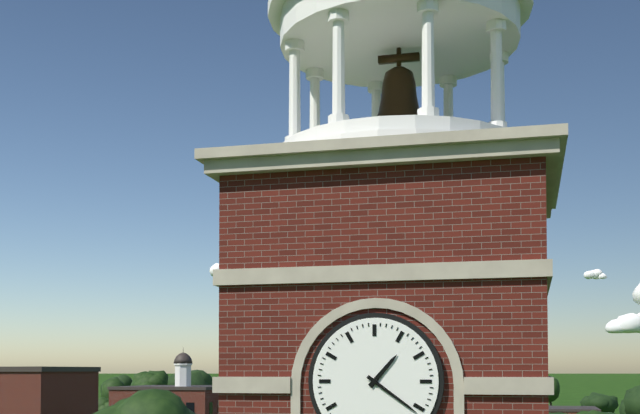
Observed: 1,21
